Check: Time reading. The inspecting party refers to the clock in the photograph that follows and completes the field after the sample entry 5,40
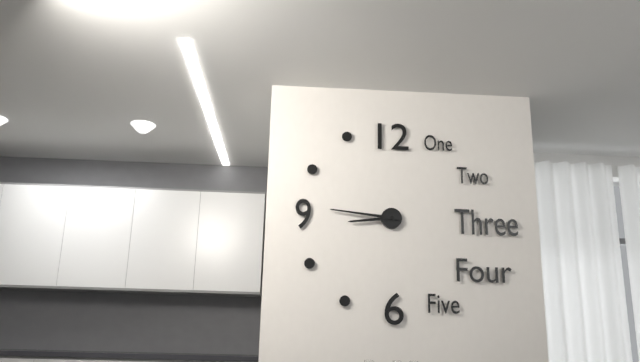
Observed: 8,46
